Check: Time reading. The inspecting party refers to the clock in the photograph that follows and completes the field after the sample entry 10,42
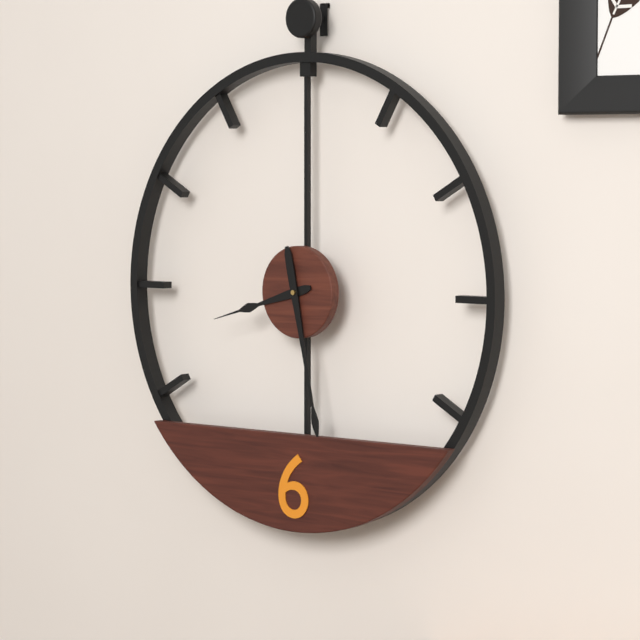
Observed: 8,28
